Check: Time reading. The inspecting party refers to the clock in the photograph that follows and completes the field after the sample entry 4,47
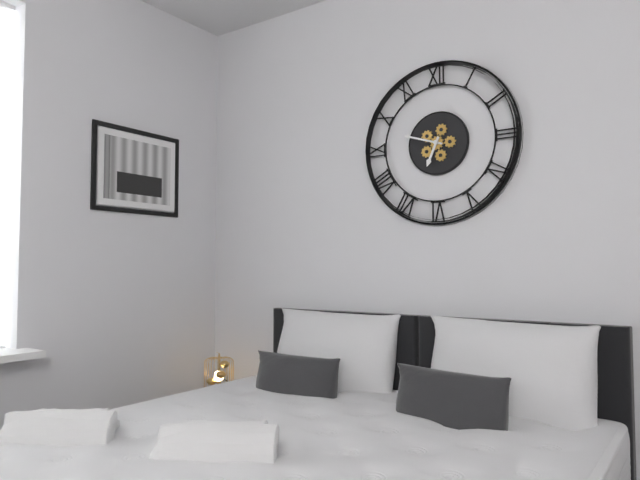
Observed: 6,48
